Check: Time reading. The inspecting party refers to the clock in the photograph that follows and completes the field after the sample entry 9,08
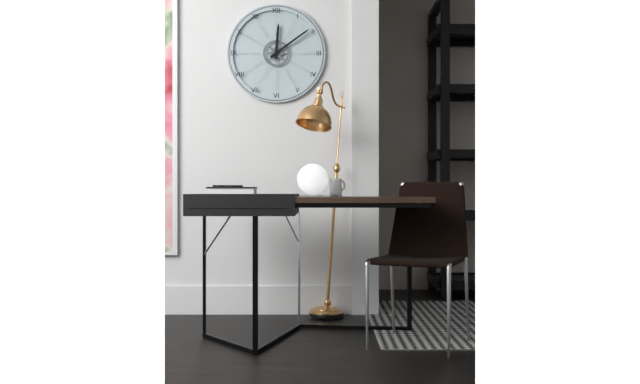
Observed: 12,09
